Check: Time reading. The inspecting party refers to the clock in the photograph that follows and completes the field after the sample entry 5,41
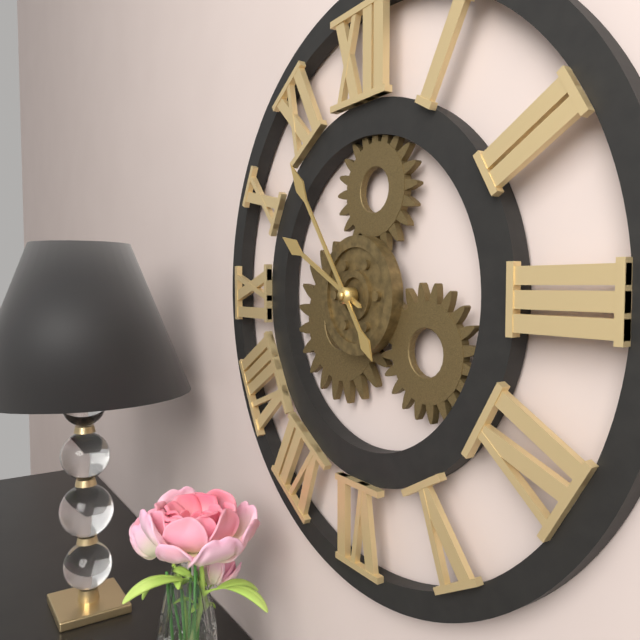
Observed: 9,54
